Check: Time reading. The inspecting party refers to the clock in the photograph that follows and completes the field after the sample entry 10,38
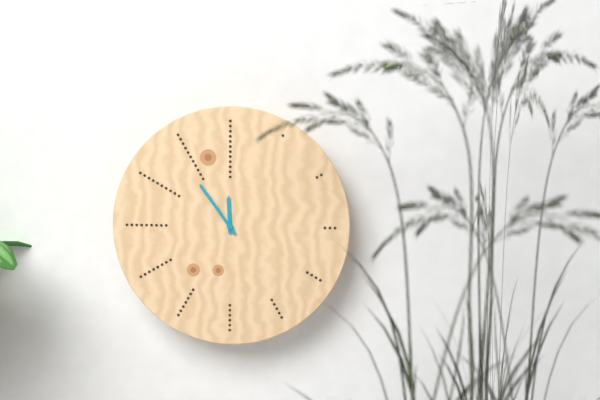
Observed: 11,54
